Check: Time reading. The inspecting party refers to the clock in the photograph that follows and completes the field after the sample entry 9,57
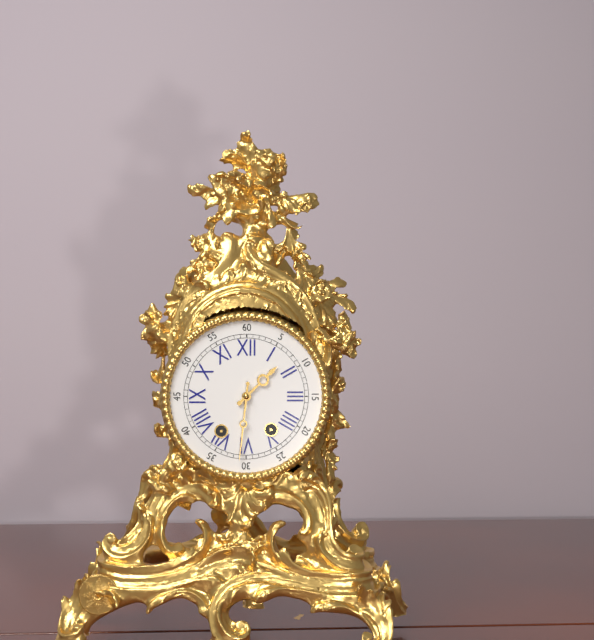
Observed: 1,31
